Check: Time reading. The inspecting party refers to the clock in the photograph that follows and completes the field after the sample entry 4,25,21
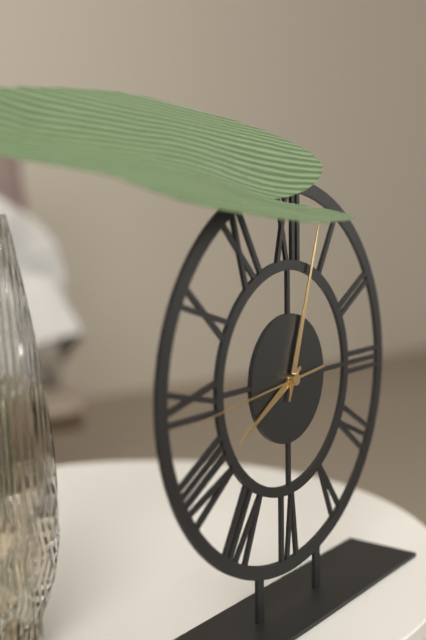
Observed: 8,03,44
